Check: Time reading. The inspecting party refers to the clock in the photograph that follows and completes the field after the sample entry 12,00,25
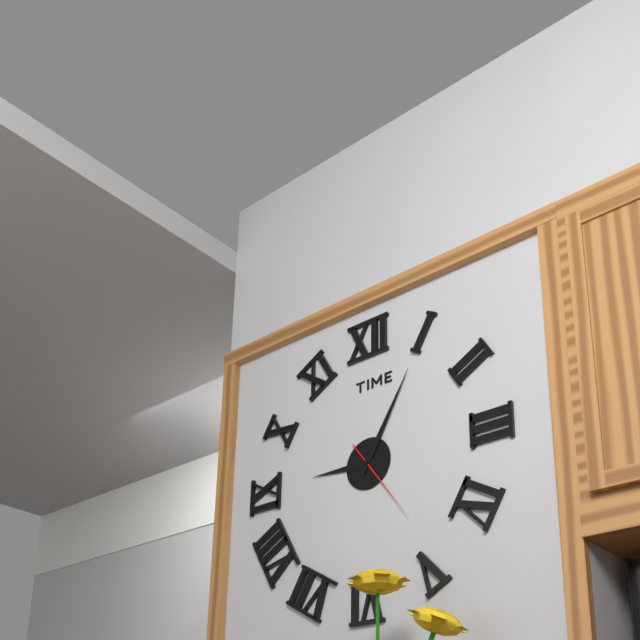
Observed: 9,05,24
